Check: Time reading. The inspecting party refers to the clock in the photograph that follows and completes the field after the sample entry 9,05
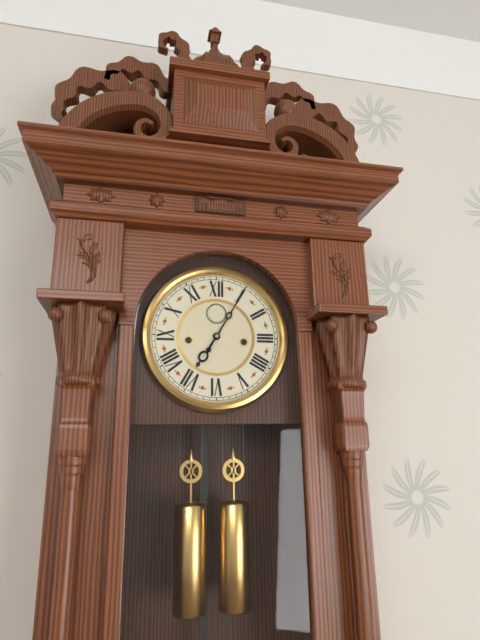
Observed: 7,05
